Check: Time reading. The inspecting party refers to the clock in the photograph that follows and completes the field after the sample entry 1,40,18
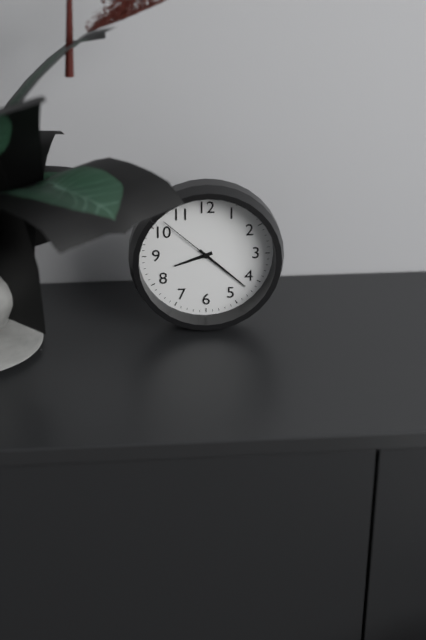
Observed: 8,22,52
